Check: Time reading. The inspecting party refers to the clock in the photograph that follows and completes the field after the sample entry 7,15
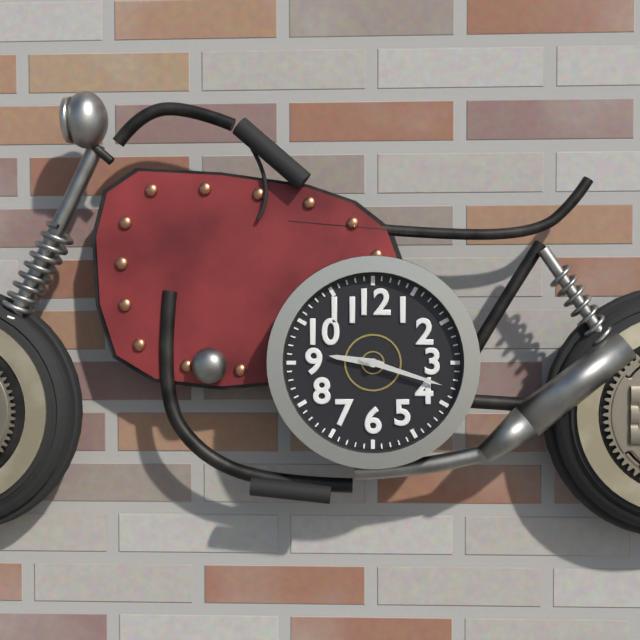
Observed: 9,18
